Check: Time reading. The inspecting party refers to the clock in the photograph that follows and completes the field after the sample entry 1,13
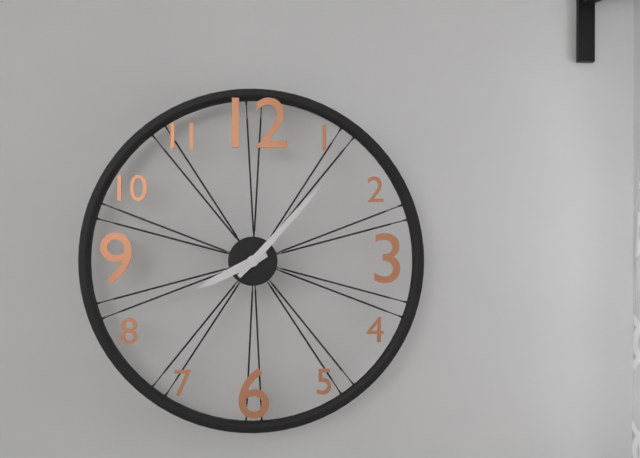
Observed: 8,07
